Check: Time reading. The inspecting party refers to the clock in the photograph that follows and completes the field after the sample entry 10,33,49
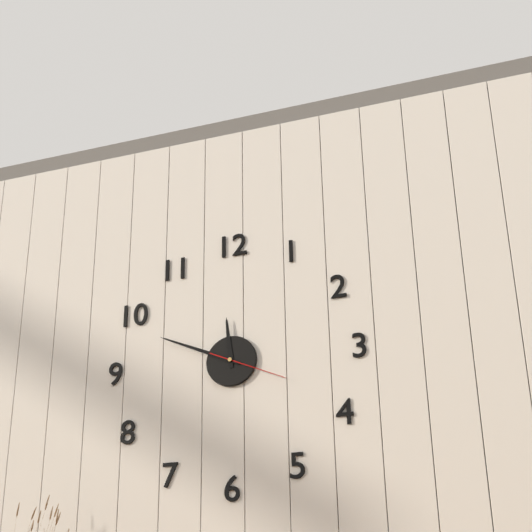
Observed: 11,49,19
